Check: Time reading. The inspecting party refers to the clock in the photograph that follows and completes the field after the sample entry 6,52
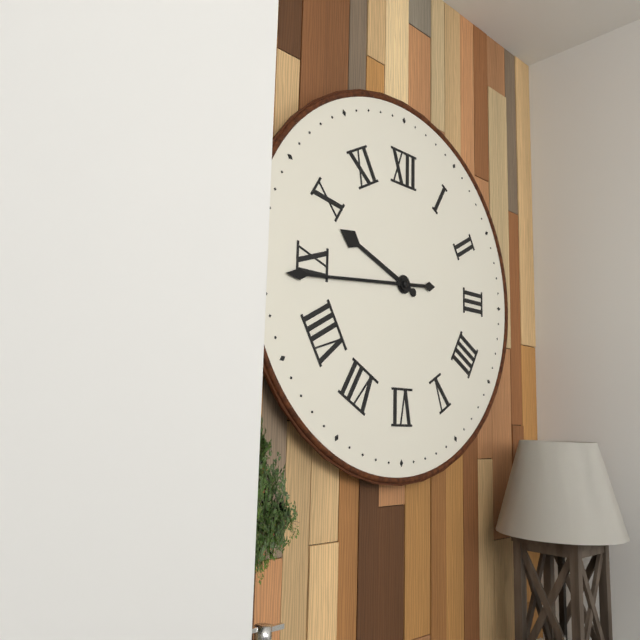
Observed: 9,44
